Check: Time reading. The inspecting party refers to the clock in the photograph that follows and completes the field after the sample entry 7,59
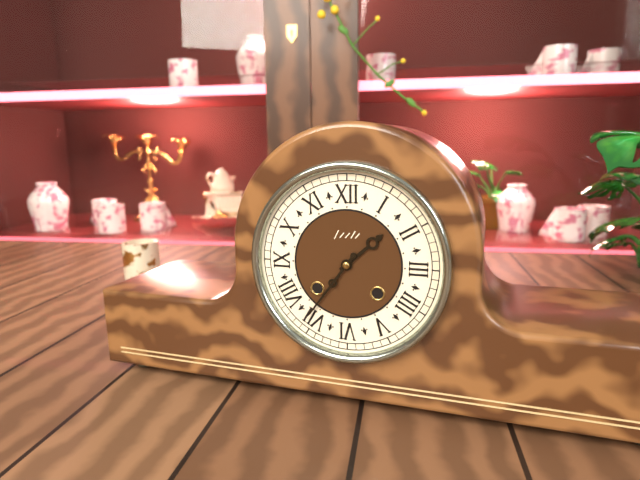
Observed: 1,36
